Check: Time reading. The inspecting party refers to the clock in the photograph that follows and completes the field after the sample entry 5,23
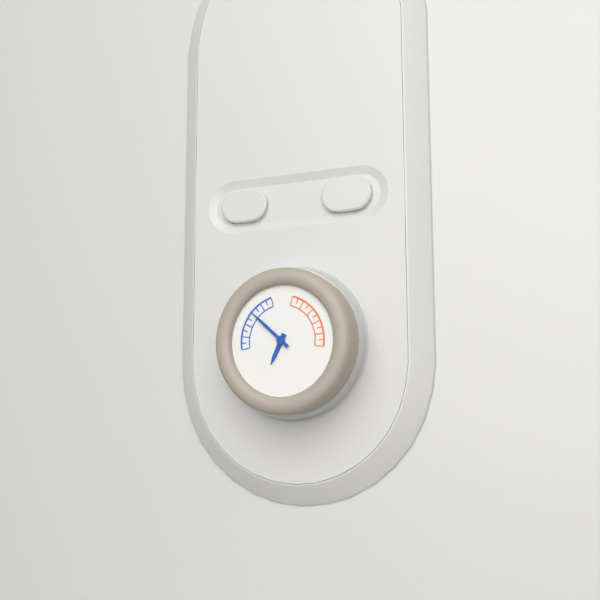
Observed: 6,52
